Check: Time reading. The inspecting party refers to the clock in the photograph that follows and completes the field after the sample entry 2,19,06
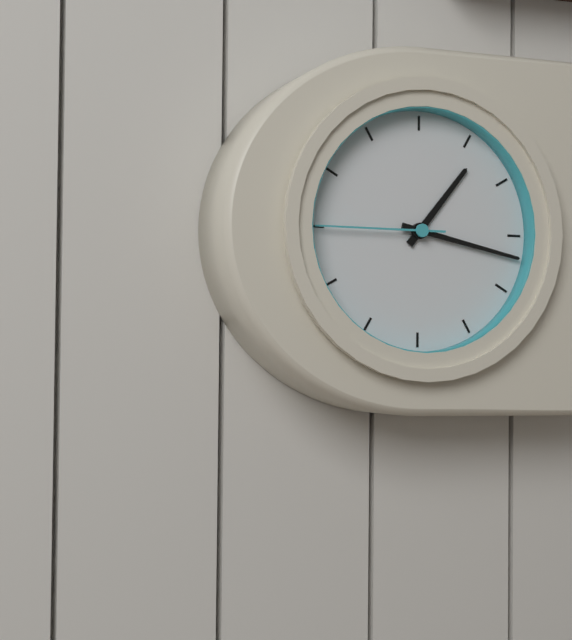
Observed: 1,17,45
